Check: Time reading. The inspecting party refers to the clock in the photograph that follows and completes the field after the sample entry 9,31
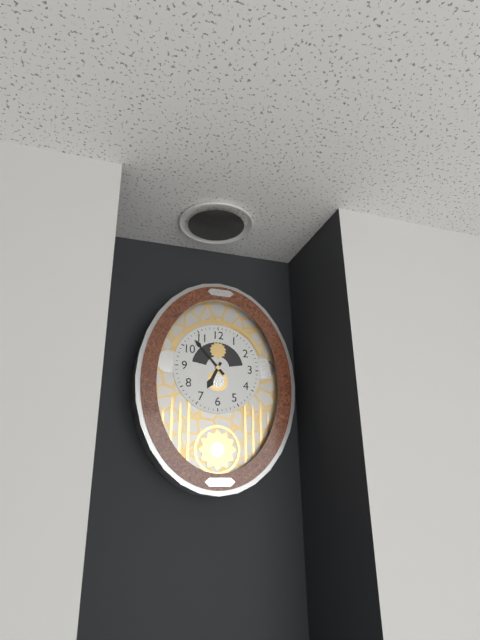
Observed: 6,53
